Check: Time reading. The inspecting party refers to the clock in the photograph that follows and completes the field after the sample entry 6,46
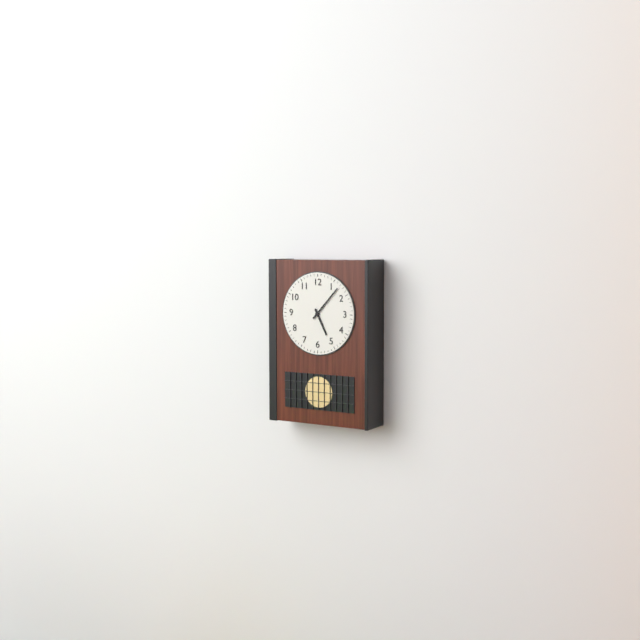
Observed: 5,07
